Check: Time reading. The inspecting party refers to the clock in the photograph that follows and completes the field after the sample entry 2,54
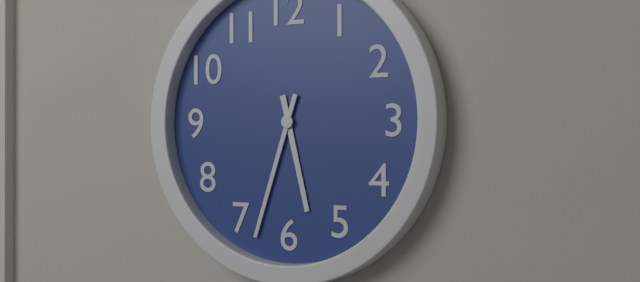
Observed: 5,33
